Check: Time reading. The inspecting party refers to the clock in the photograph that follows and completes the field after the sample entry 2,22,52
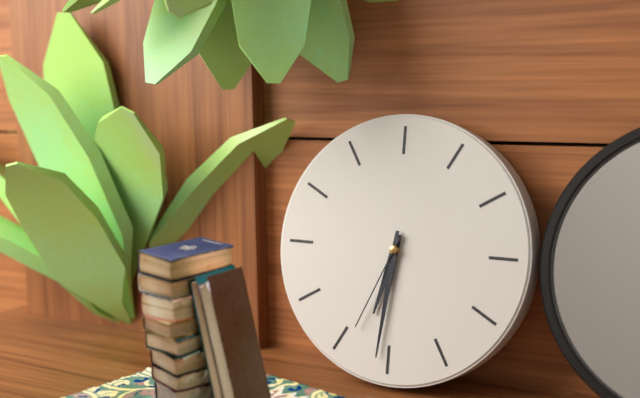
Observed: 6,31,34
